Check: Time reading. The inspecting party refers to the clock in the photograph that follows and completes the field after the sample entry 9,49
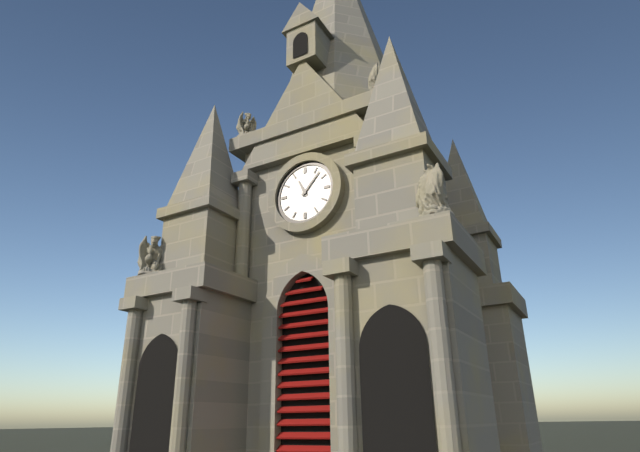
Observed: 11,07
